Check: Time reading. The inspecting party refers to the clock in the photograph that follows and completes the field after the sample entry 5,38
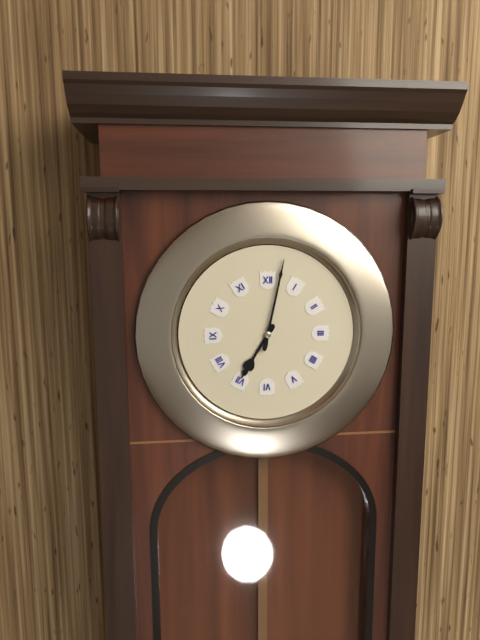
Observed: 7,02
